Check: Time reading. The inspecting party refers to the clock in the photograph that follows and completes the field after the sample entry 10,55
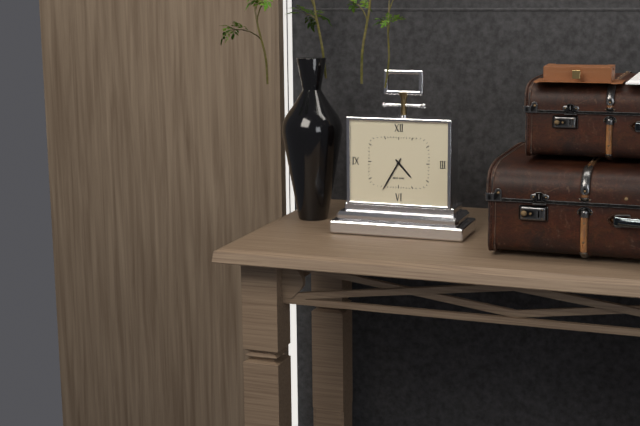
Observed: 4,35
